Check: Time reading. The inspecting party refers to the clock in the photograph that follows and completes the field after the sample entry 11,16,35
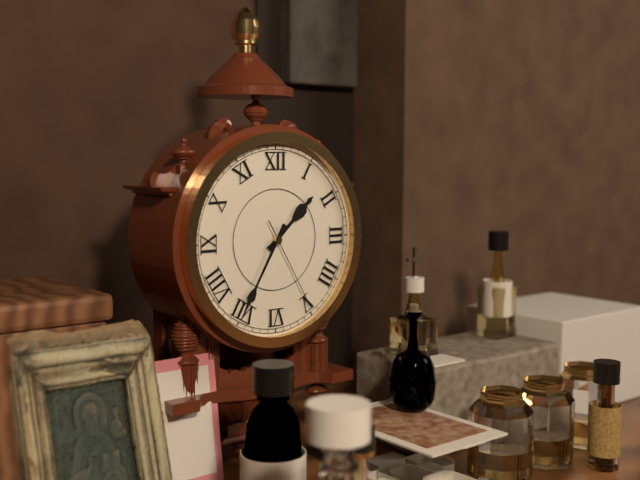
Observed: 1,35,25
